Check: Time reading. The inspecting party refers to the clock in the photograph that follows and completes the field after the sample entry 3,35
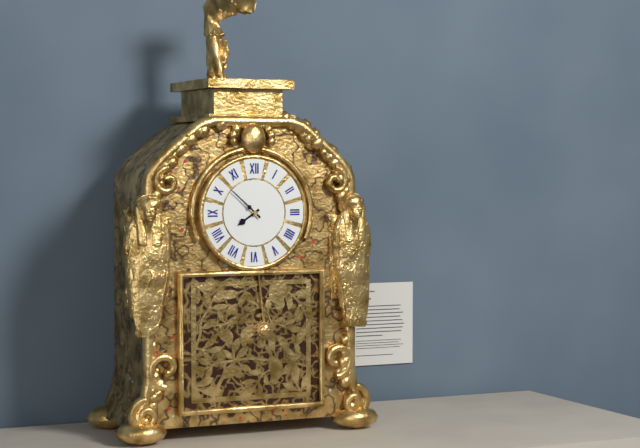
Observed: 7,52
